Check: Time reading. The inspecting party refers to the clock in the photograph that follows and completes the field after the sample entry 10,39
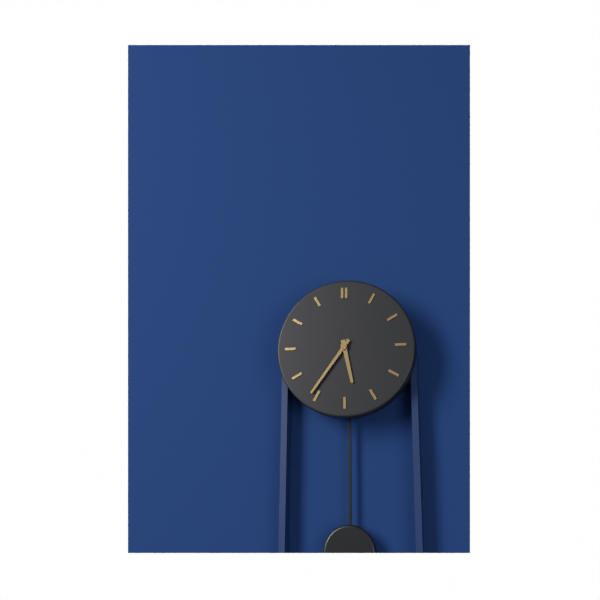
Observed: 5,36
